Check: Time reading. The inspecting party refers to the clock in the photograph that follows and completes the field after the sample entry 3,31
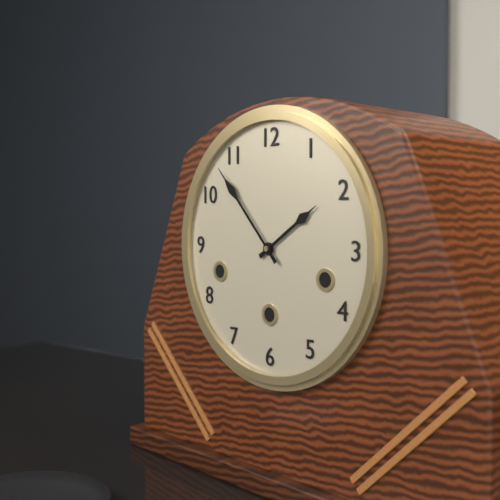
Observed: 1,53
